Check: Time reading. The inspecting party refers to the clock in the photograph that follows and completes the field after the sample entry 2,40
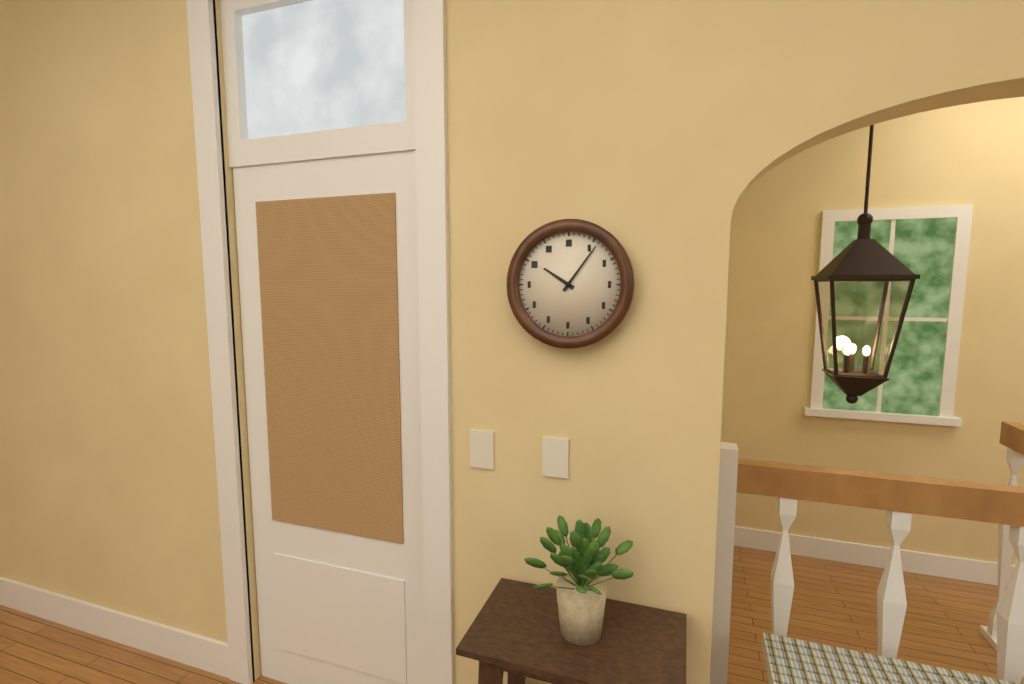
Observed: 10,06
